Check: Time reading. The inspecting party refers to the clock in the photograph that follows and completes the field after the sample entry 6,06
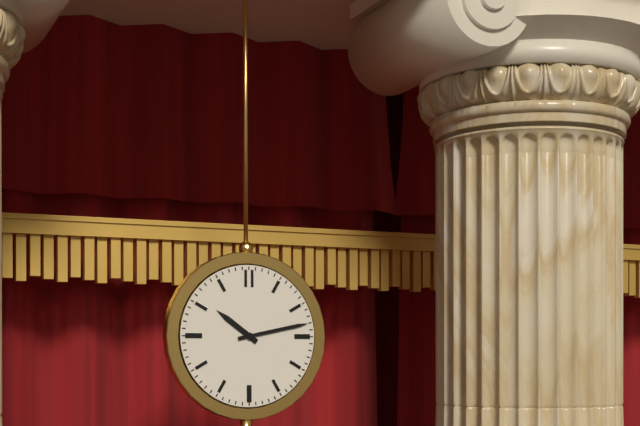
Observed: 10,13
